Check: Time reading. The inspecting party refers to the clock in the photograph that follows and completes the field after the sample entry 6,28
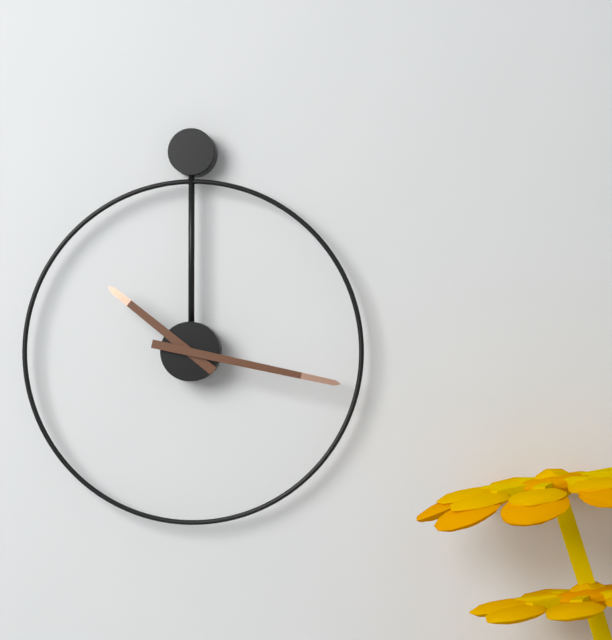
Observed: 10,17
